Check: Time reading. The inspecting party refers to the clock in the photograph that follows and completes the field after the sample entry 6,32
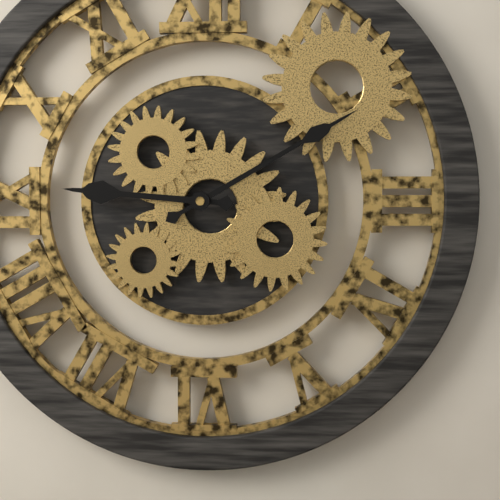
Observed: 9,10
